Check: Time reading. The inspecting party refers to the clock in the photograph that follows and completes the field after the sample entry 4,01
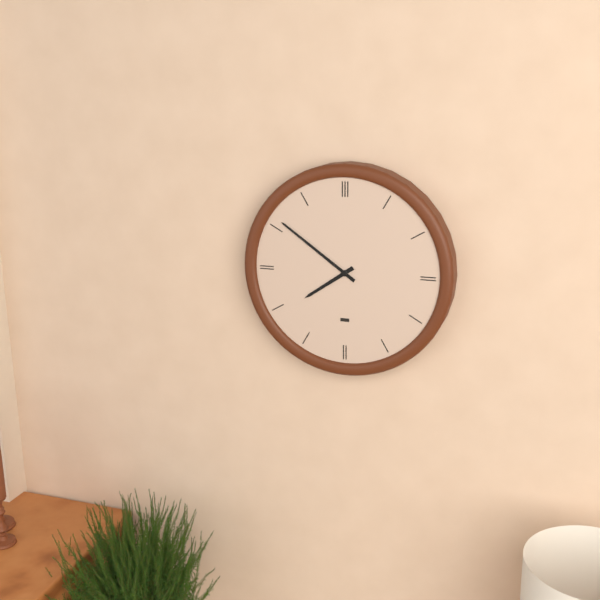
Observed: 7,51
